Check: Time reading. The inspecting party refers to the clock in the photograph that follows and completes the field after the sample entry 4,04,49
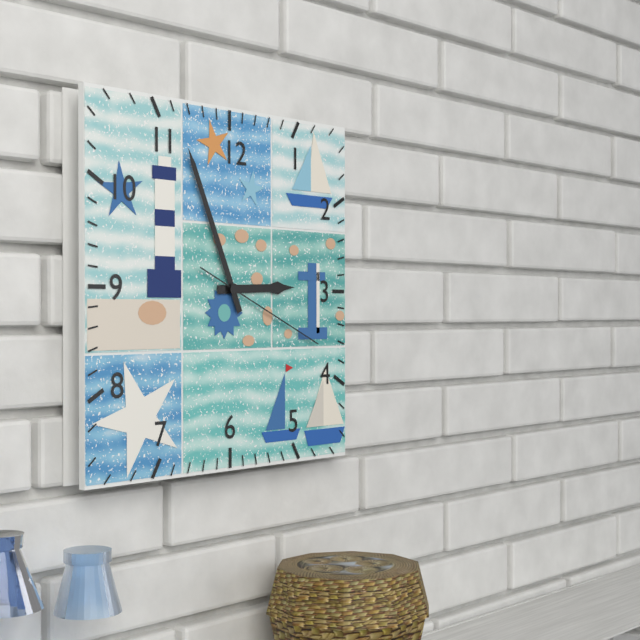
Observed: 2,56,19
